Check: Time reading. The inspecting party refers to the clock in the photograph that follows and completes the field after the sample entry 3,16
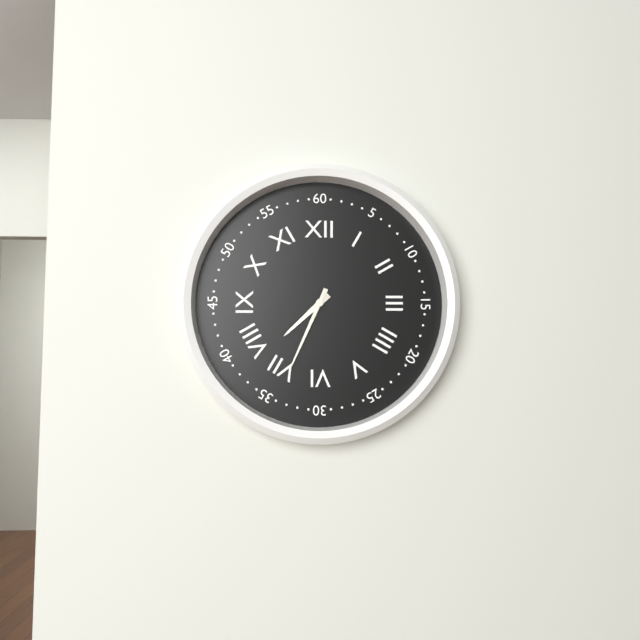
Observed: 7,34
